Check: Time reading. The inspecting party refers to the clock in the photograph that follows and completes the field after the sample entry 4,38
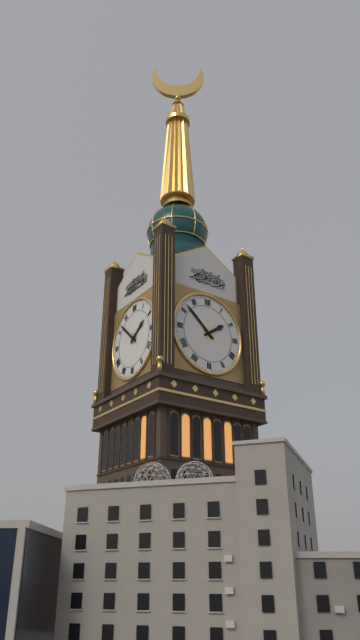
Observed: 1,52
